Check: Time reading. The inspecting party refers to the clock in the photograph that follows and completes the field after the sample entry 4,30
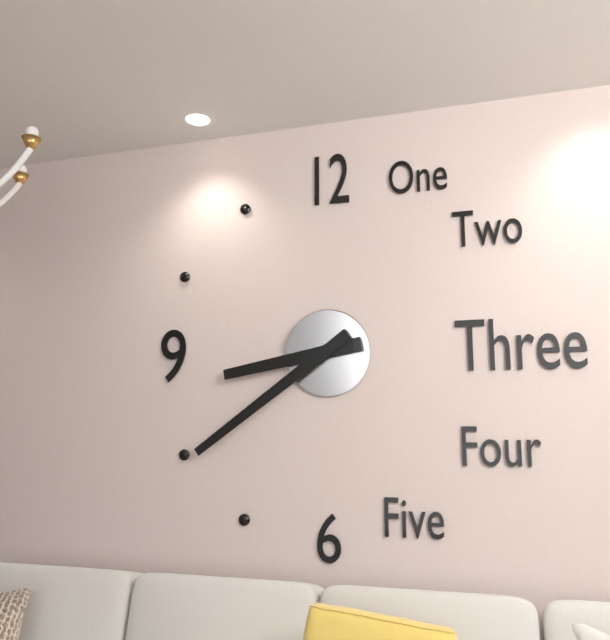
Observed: 8,39
